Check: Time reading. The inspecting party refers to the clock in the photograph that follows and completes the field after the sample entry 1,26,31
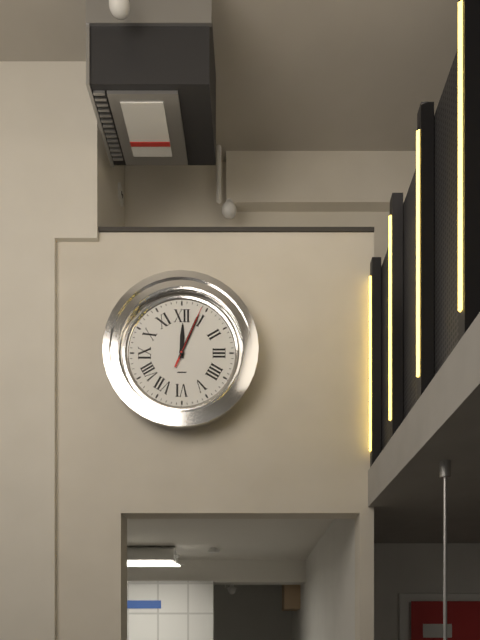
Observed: 12,04,04
